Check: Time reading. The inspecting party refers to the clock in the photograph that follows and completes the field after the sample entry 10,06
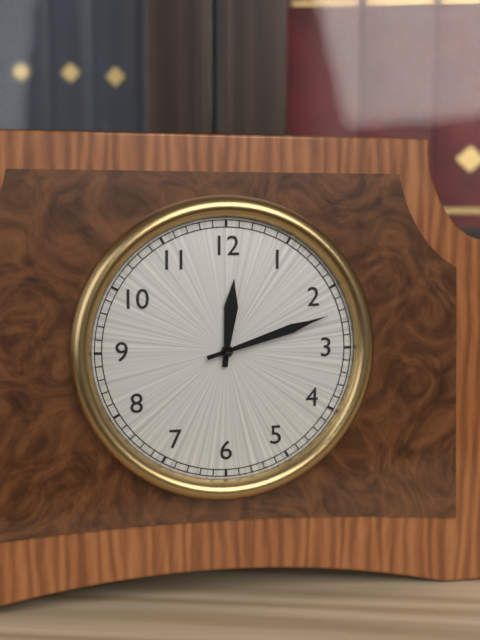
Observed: 12,12
